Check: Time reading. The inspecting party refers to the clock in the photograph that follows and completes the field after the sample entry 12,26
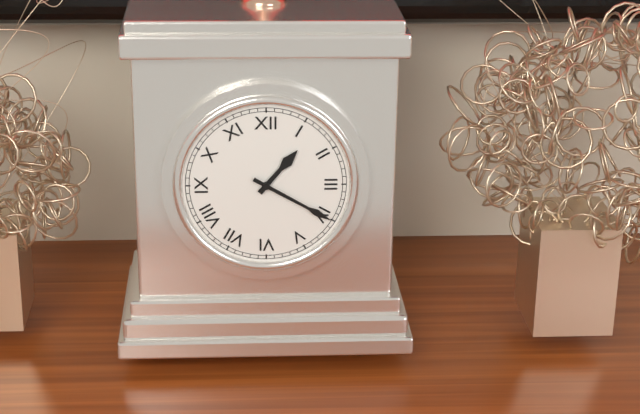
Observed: 1,20
